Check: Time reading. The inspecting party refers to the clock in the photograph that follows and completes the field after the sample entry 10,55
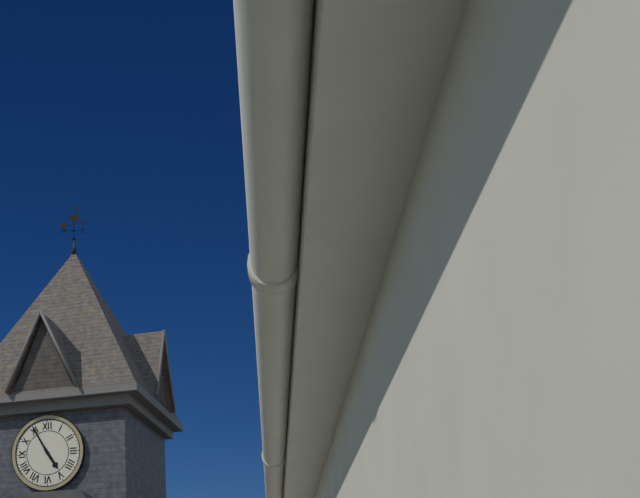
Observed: 4,55
